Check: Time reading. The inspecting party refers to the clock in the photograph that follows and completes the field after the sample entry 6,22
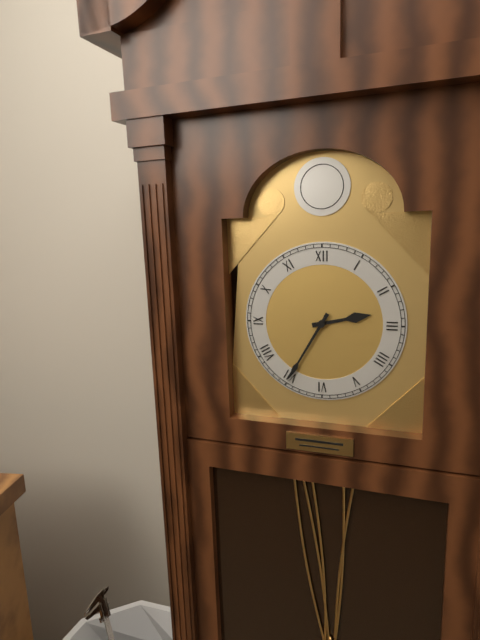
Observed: 2,35
